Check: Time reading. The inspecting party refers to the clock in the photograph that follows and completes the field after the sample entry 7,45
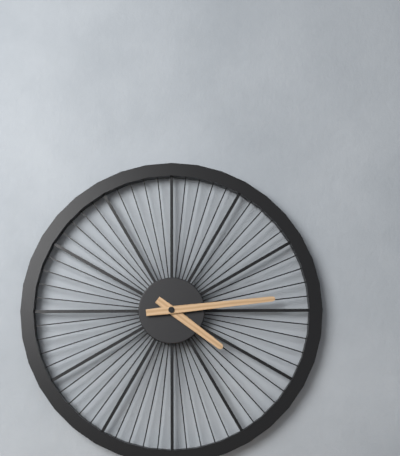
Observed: 4,14
